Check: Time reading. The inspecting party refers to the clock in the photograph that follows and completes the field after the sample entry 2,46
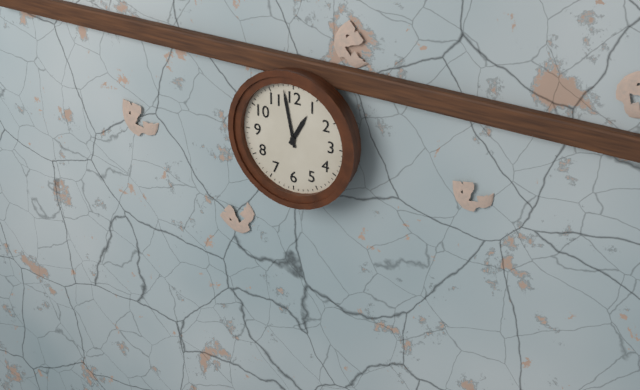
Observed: 12,58
